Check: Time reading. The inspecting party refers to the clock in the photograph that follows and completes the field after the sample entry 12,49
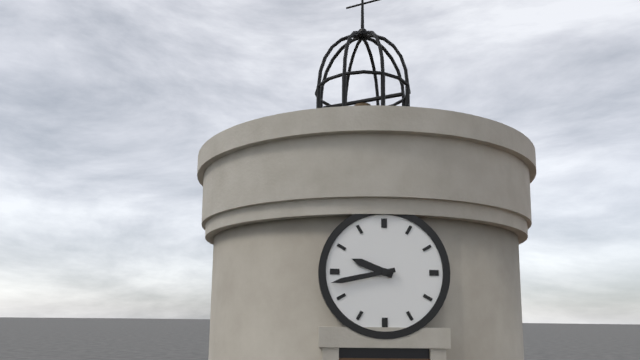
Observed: 9,43
